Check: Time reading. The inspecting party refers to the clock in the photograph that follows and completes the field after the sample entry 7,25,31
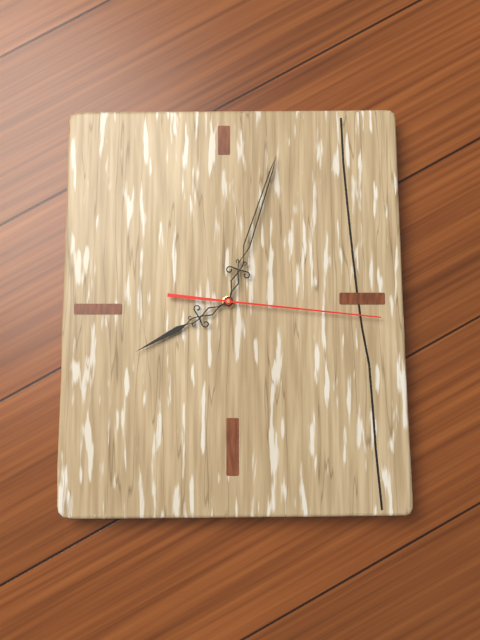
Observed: 8,03,16
